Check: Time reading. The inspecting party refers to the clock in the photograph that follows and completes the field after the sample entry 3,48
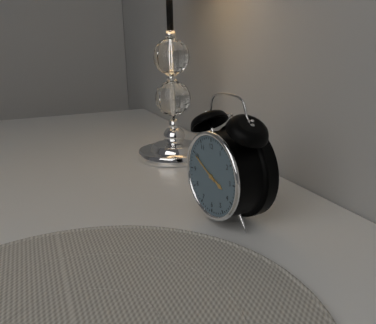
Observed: 3,50
